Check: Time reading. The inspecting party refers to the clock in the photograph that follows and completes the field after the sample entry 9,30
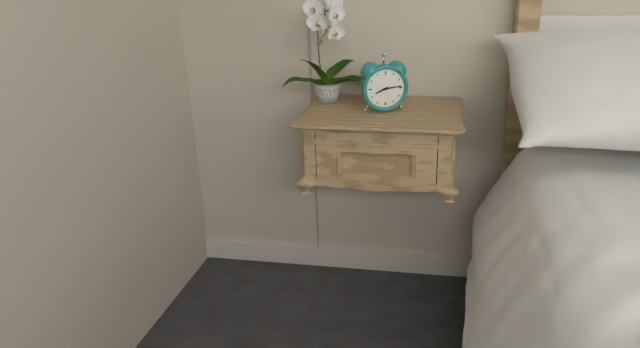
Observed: 8,14
